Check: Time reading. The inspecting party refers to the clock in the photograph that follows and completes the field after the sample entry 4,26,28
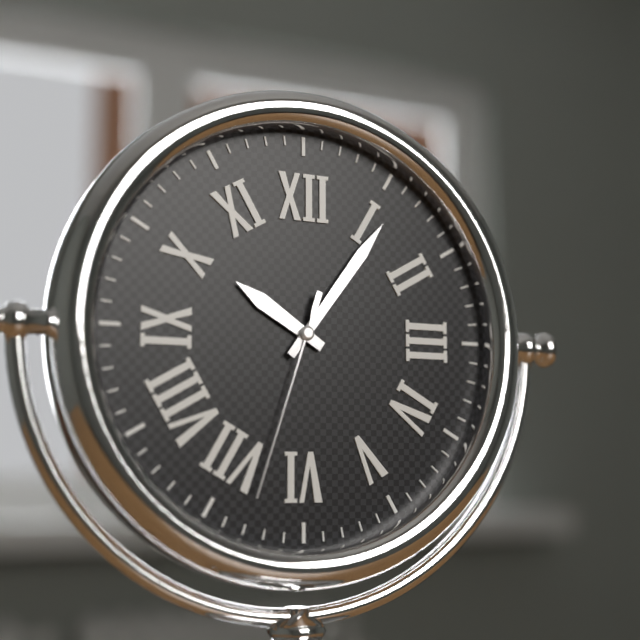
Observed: 10,06,33
